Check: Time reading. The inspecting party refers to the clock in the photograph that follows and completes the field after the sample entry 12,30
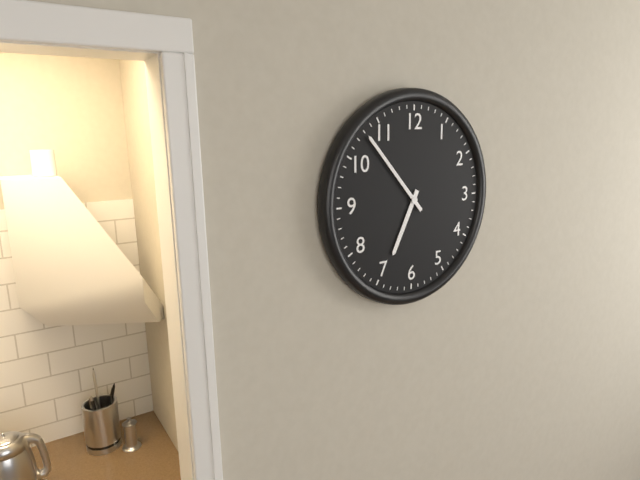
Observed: 6,53
